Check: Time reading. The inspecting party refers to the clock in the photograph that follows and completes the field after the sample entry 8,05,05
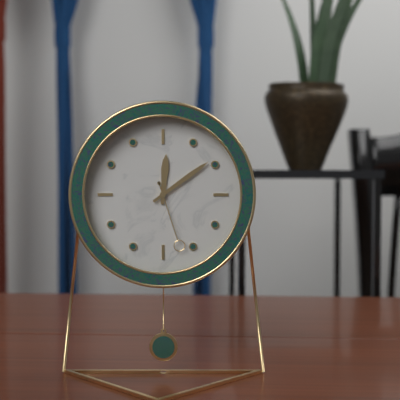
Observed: 12,09,27
